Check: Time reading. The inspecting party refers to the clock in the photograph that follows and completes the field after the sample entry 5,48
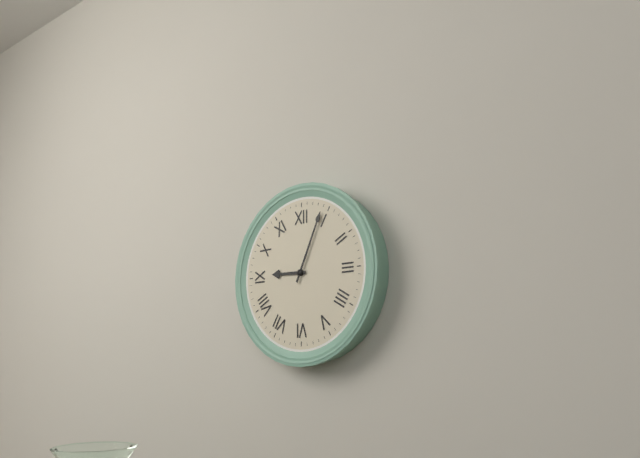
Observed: 9,04
